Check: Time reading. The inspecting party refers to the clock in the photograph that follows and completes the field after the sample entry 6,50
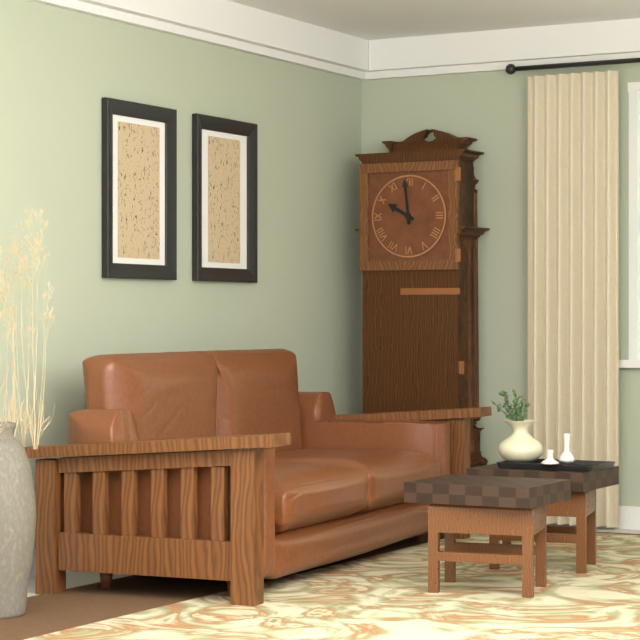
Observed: 9,59
